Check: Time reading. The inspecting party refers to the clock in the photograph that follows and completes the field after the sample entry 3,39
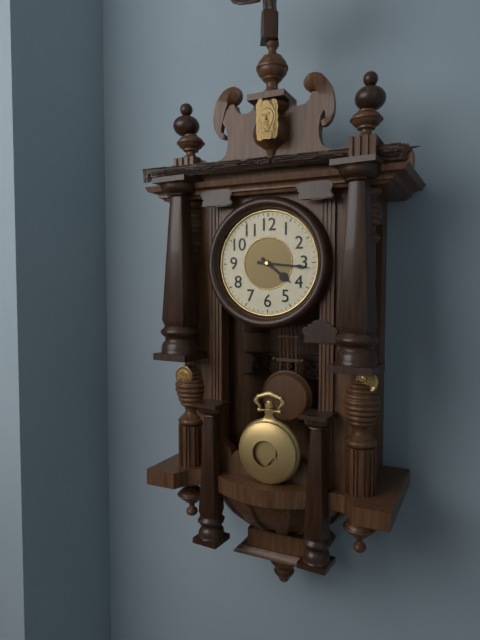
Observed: 4,16
